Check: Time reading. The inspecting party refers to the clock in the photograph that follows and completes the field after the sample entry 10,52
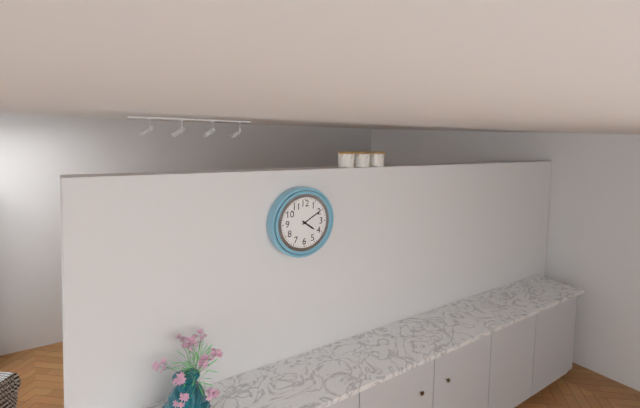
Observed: 4,10
